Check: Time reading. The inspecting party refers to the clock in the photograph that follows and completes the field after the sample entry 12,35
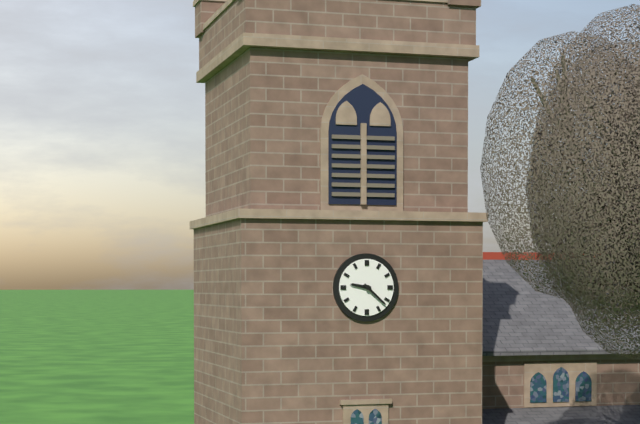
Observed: 9,22
